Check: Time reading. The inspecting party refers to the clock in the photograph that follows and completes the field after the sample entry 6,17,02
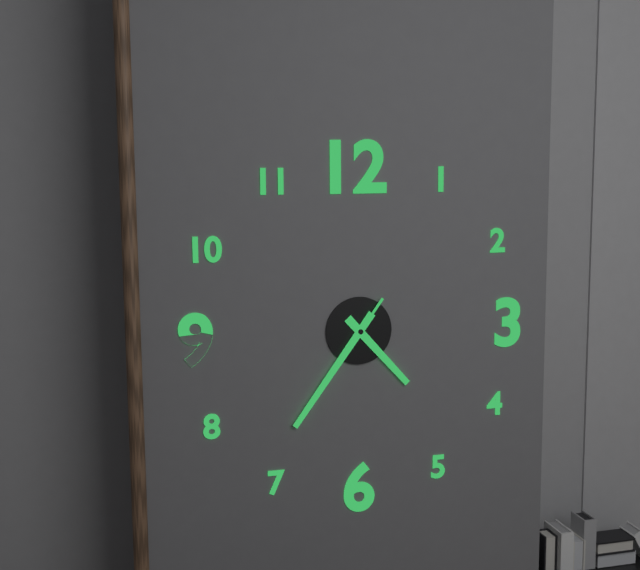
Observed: 4,36,36
